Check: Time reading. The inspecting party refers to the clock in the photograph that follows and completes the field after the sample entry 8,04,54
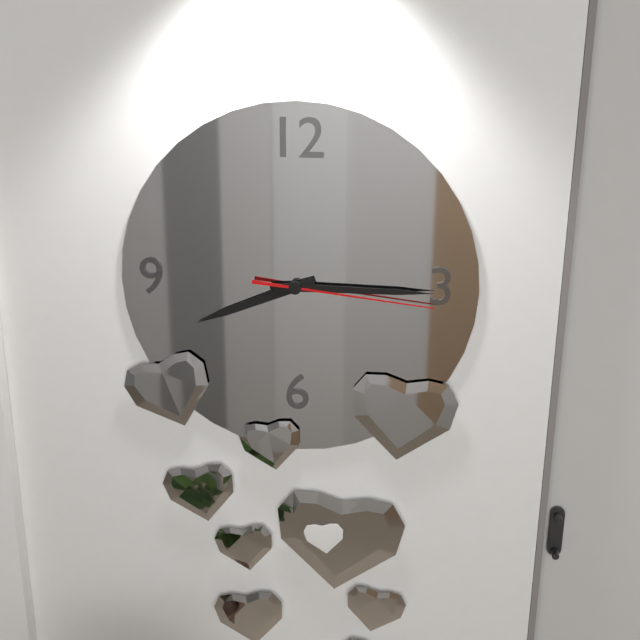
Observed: 8,15,16
